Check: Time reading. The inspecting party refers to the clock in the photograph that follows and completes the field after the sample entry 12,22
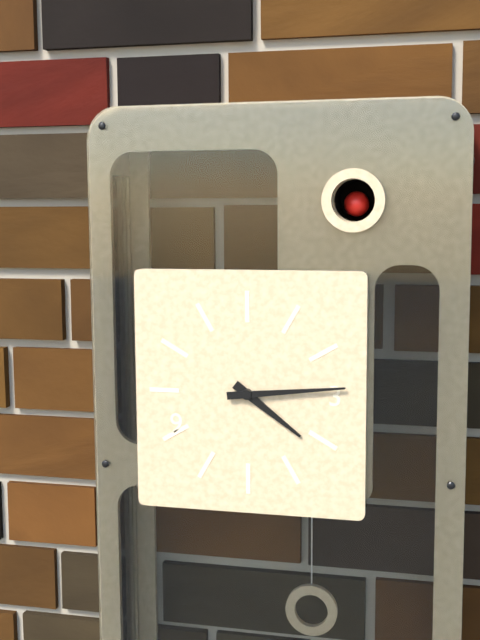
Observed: 4,14
